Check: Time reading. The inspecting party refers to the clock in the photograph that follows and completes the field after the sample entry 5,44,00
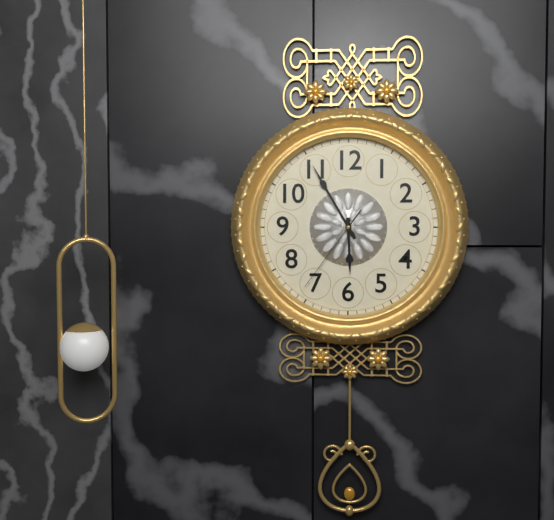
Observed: 5,55,36
